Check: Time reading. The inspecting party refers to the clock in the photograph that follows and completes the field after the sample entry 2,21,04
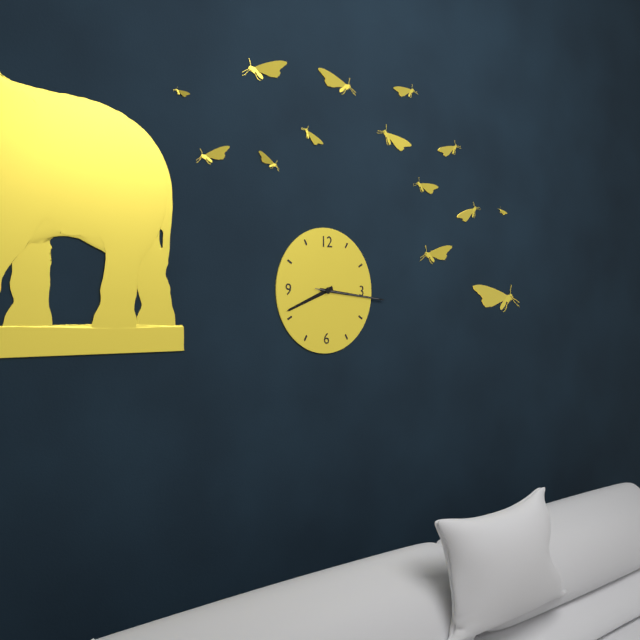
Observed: 8,16,16
